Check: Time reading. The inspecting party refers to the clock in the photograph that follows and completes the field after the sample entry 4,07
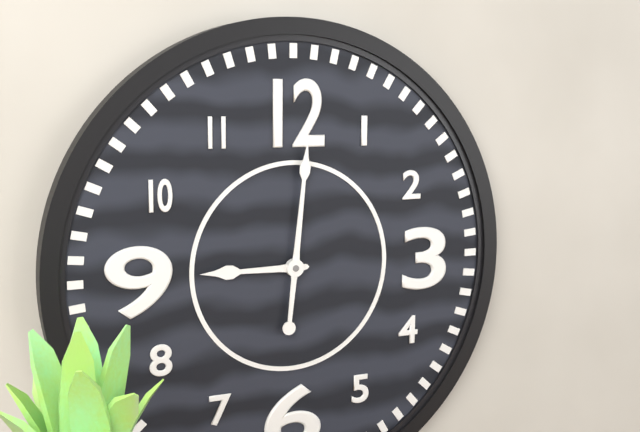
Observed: 9,01
